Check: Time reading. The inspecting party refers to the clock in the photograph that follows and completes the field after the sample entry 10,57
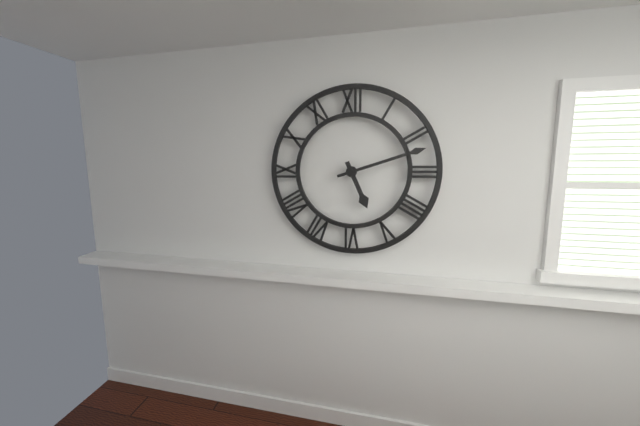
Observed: 5,12
